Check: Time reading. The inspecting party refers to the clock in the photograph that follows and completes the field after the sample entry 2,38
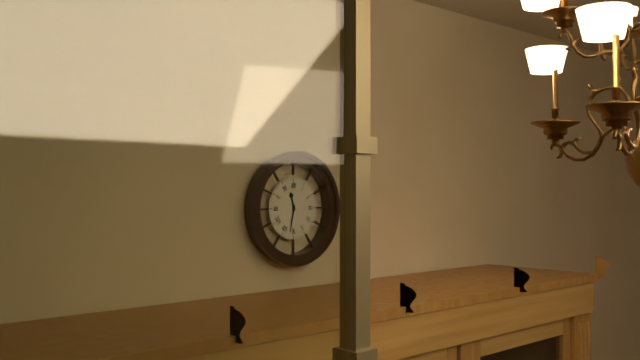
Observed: 11,32
